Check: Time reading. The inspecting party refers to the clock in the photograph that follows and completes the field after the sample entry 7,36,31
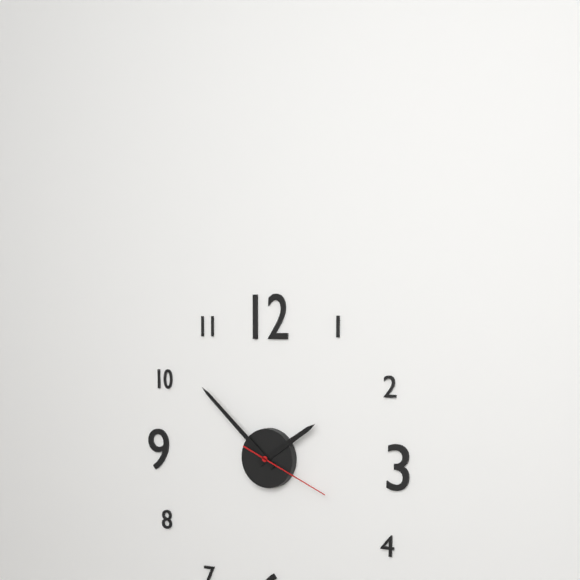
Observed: 1,52,19
